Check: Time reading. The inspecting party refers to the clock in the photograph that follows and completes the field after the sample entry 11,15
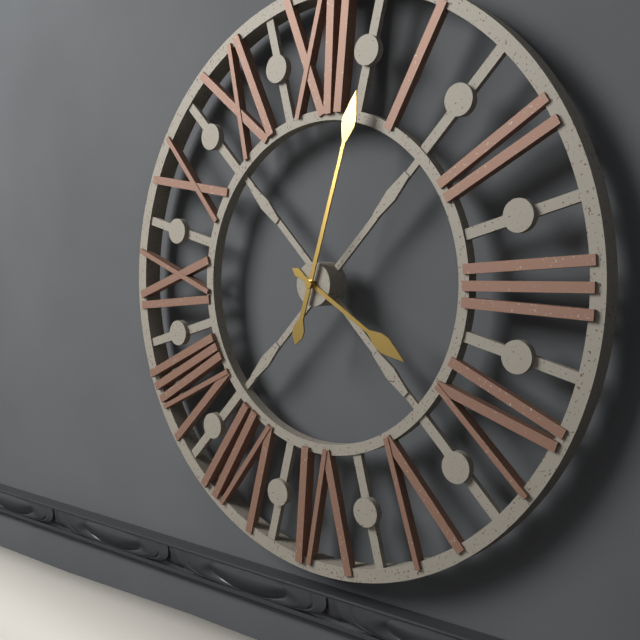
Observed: 4,03
